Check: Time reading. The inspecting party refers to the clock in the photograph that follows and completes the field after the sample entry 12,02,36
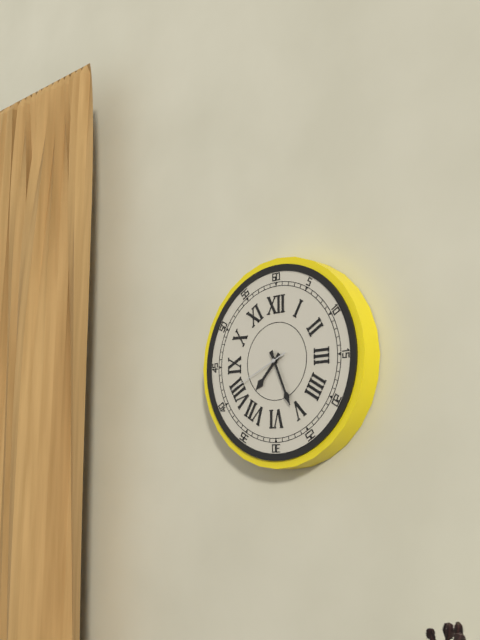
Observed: 7,26,41
